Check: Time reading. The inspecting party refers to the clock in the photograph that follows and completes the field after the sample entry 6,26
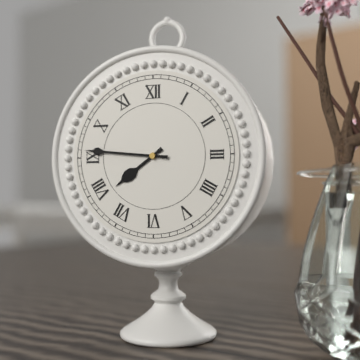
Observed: 7,46
